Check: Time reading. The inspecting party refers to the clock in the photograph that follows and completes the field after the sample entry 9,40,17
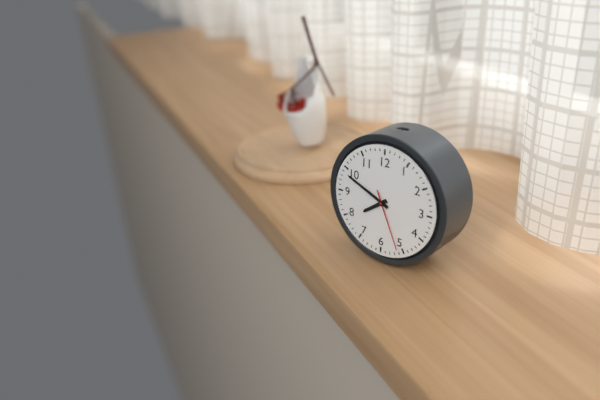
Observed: 7,49,26
